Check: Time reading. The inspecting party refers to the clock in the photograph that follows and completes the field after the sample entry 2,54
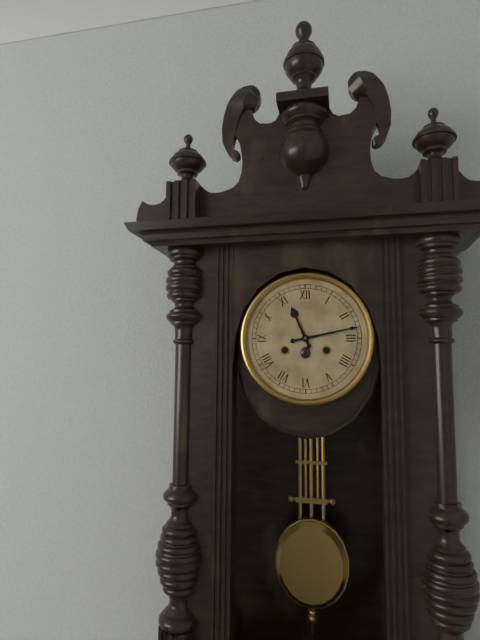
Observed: 11,13
